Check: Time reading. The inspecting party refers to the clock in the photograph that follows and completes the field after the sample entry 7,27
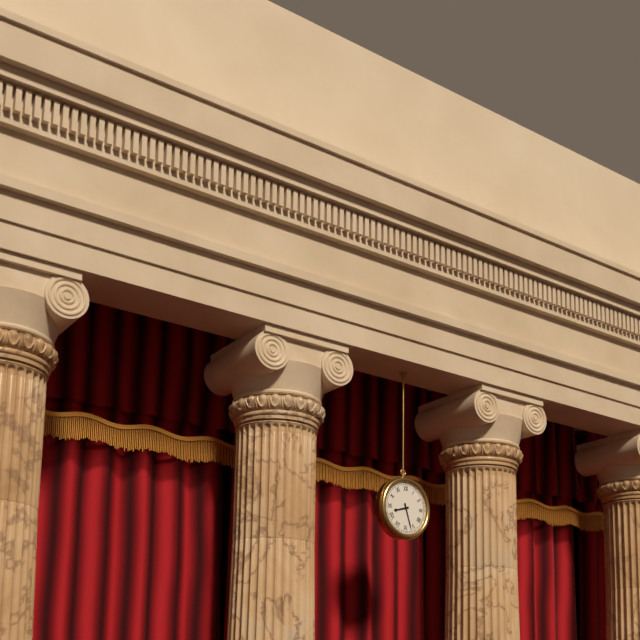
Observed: 8,27
